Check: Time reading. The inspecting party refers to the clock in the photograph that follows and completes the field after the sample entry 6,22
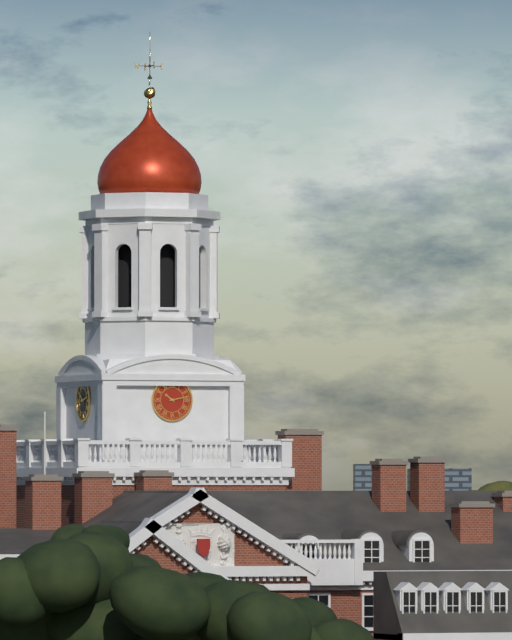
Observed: 10,13
